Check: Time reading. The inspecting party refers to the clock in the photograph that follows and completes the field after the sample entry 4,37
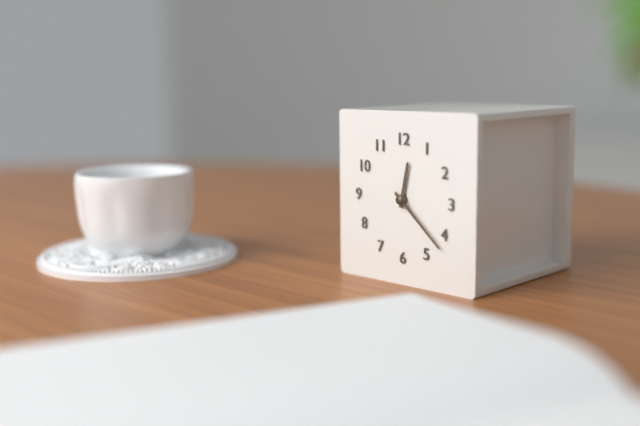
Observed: 12,22
